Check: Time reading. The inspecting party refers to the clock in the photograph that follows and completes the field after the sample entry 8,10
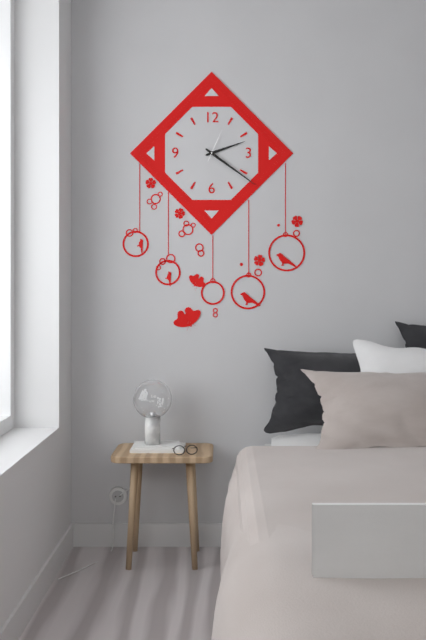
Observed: 2,21
